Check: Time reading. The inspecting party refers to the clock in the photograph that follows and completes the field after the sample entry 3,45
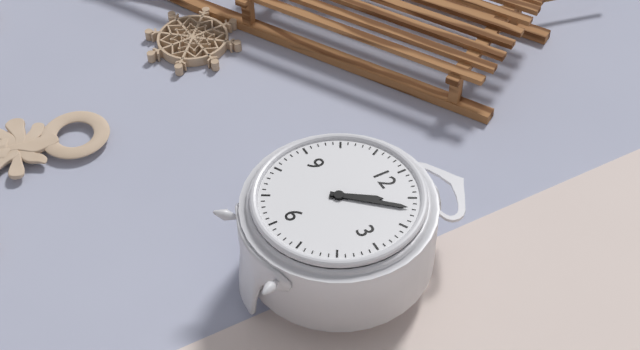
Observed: 1,07
